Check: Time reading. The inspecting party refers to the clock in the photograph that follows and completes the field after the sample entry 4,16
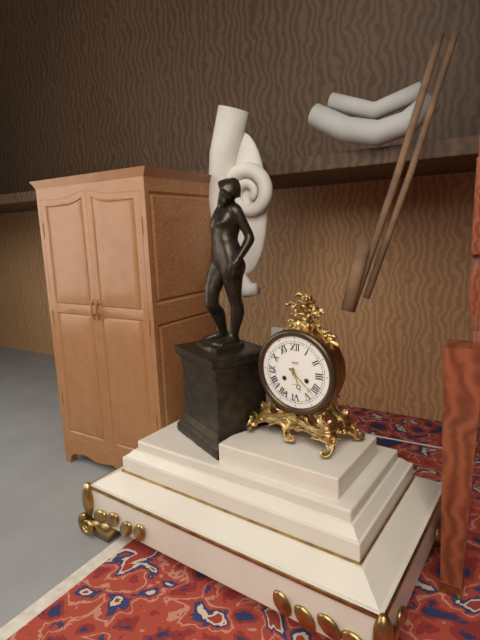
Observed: 5,22
